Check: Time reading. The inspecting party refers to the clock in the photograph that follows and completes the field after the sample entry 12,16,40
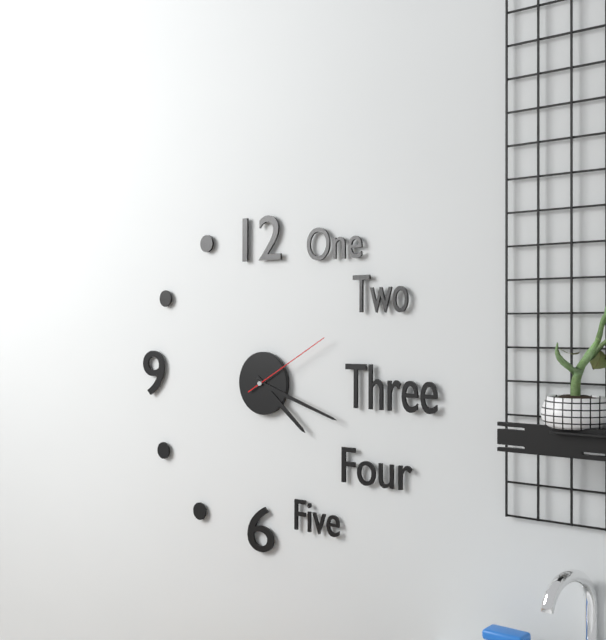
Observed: 4,18,10
